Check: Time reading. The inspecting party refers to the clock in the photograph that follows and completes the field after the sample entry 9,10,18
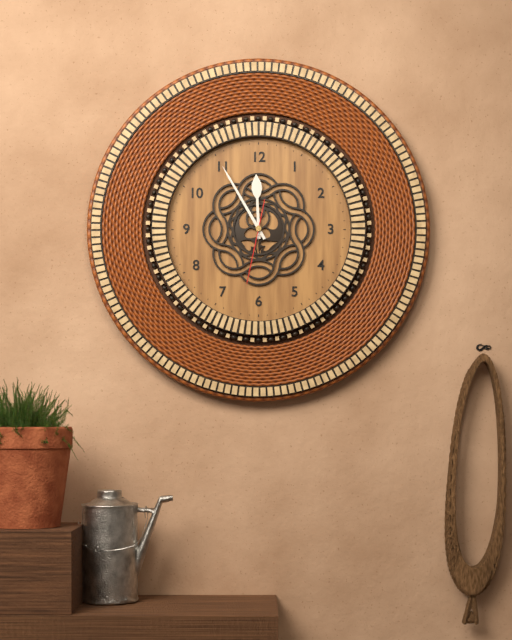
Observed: 11,55,32
